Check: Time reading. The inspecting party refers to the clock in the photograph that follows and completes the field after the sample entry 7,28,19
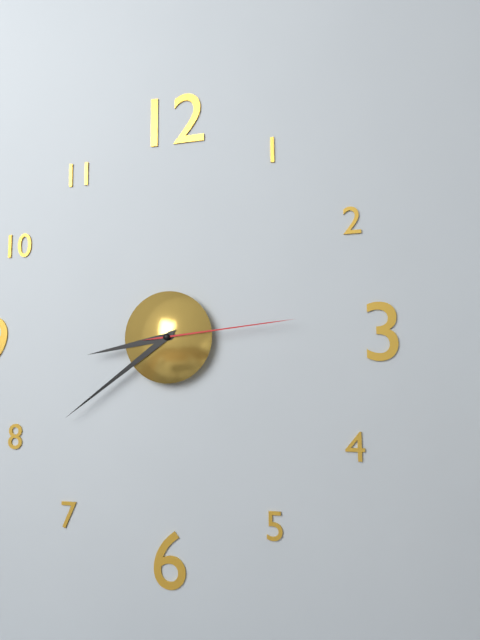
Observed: 8,39,14
